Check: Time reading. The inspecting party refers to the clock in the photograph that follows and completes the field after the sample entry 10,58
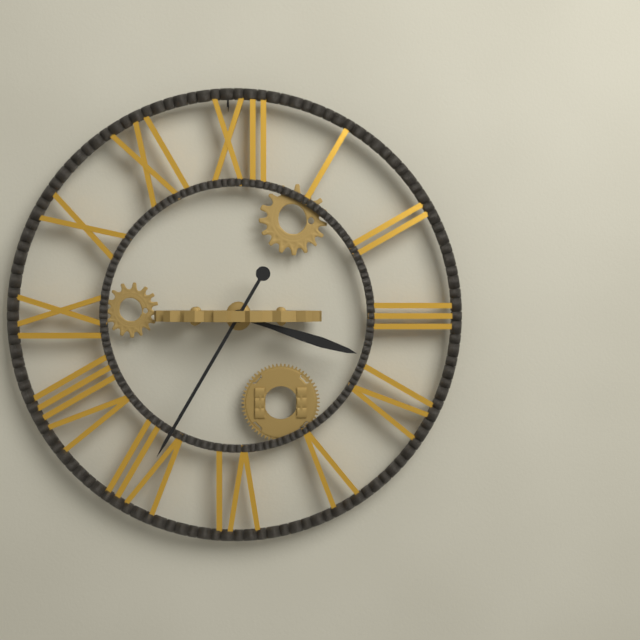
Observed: 3,35
